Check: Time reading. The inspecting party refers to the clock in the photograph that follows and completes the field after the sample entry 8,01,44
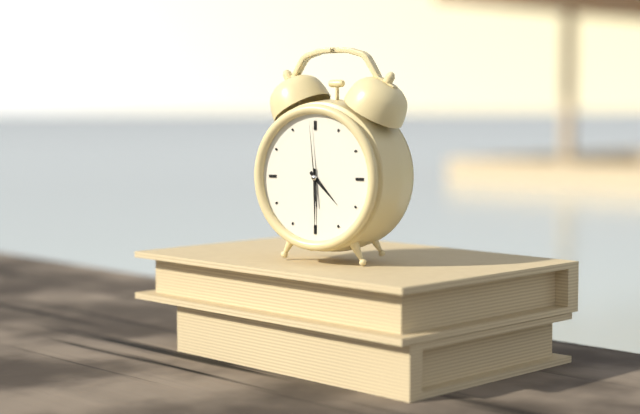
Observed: 4,30,59
